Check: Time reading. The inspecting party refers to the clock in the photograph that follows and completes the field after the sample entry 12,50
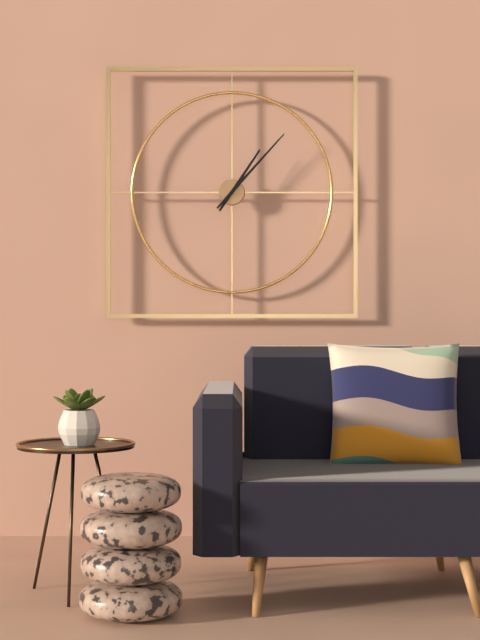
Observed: 1,07
